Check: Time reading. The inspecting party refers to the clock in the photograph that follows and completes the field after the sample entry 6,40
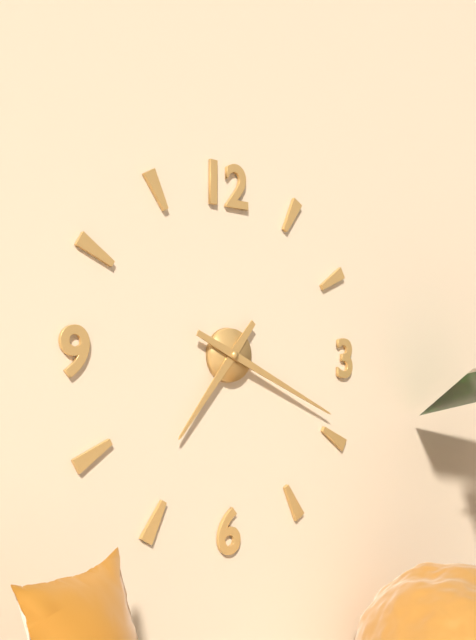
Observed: 7,19
